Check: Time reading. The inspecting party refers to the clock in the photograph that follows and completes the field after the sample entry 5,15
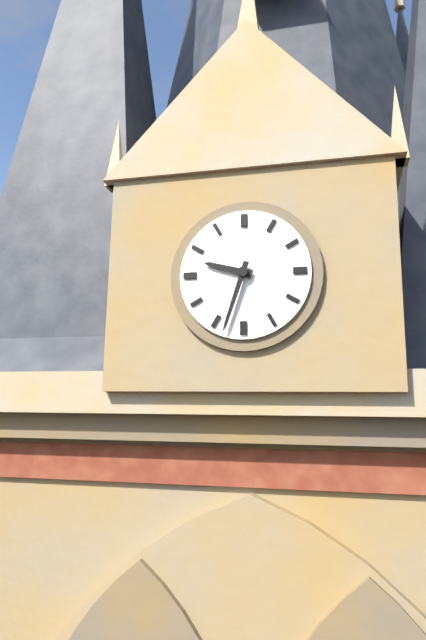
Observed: 9,33
